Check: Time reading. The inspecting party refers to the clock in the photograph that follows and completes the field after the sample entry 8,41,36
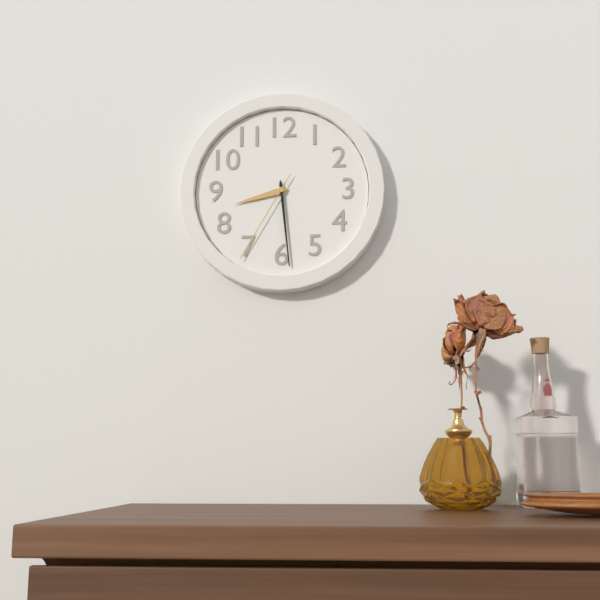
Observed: 8,29,35
